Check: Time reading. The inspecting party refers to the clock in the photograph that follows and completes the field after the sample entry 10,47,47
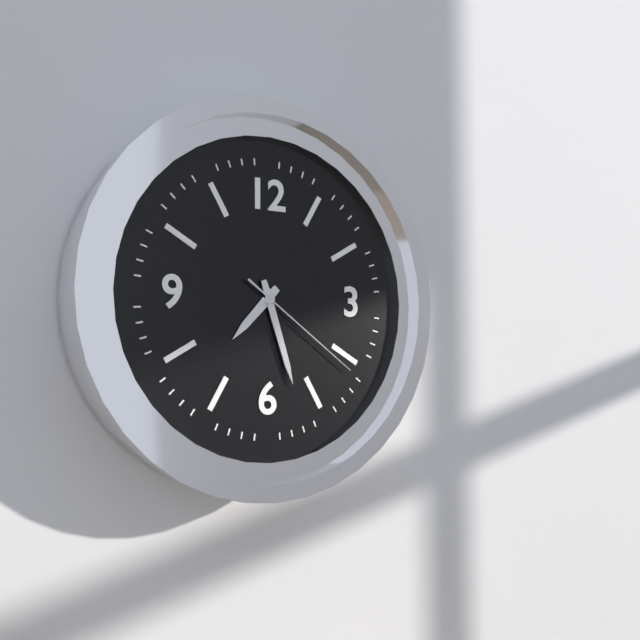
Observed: 7,27,21
